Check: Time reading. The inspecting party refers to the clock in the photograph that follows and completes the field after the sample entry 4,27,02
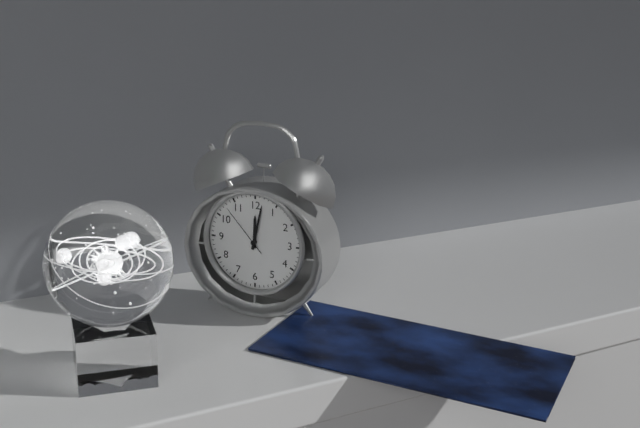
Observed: 12,02,53
